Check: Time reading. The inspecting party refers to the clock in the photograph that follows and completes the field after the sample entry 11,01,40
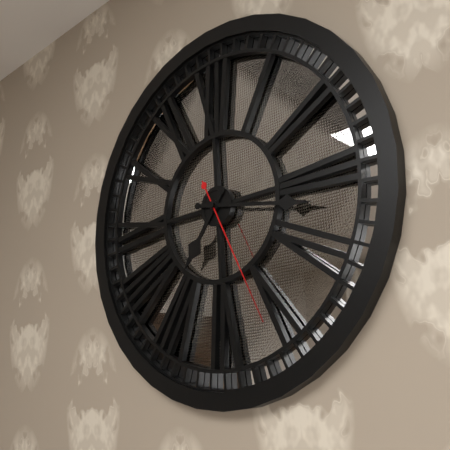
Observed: 7,17,26
